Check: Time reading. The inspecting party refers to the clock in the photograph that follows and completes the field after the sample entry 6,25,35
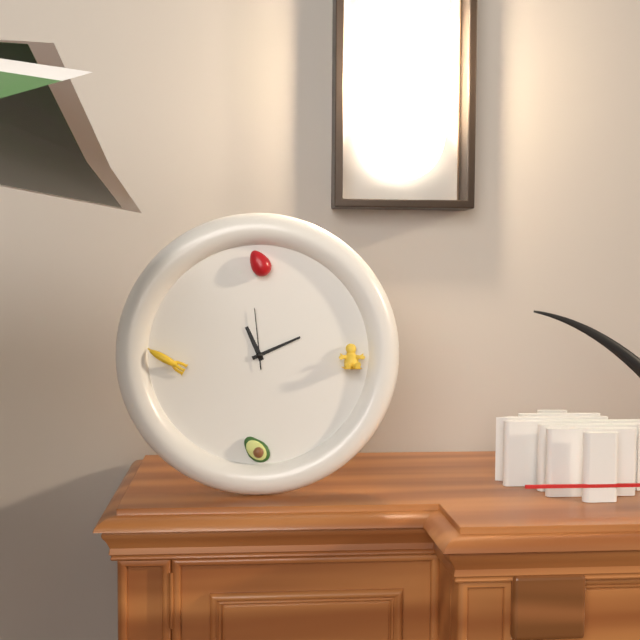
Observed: 11,11,59
